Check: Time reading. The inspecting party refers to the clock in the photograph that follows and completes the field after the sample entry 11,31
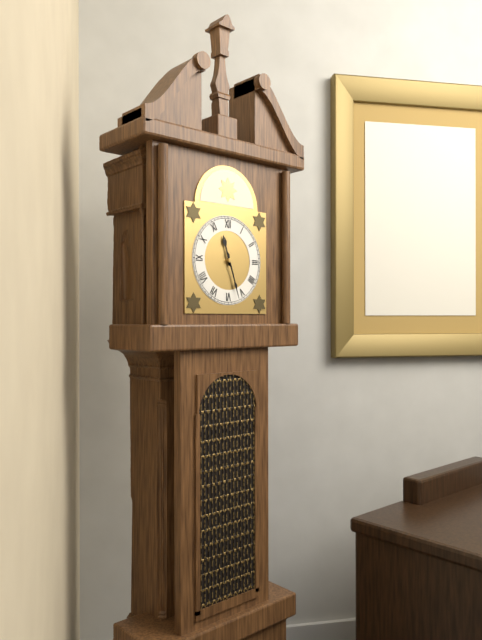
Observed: 11,27
